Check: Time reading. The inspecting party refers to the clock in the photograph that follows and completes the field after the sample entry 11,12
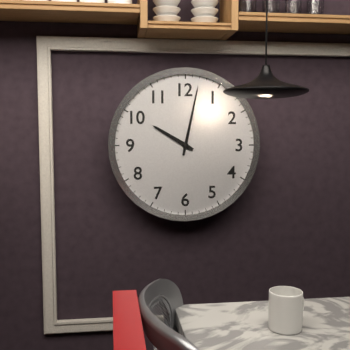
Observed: 10,02
